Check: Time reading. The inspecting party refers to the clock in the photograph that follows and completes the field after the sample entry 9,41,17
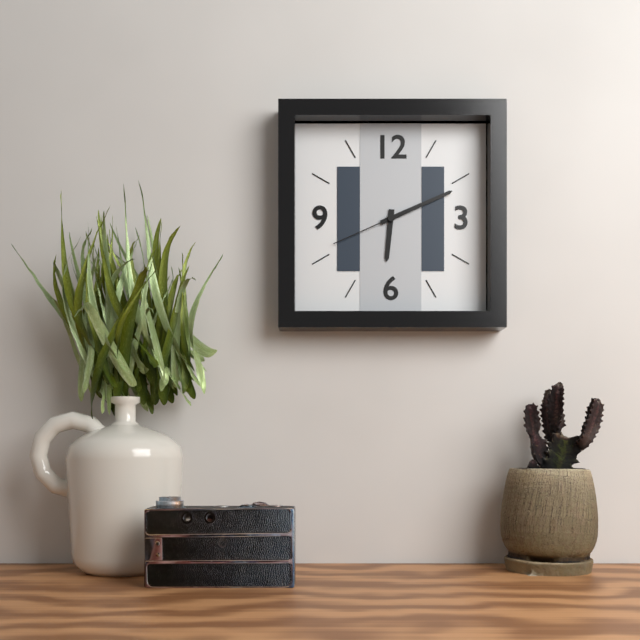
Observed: 6,11,41
